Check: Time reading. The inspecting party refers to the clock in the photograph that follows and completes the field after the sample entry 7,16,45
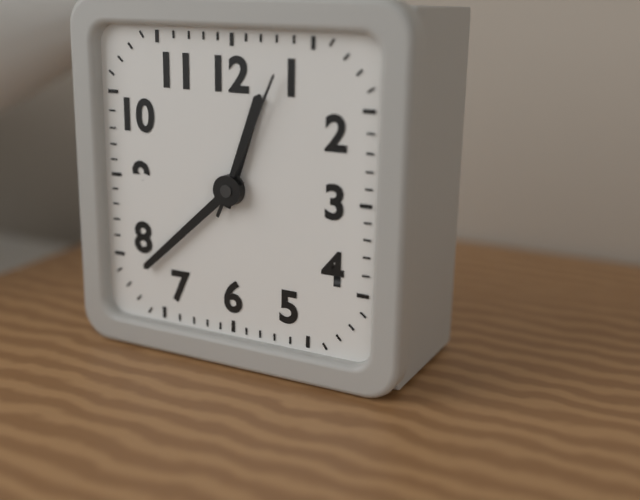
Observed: 12,38,04
